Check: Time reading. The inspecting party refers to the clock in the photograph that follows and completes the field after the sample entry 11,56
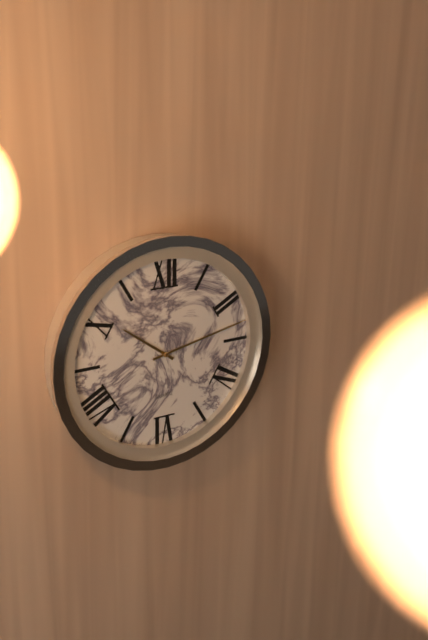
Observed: 10,13
